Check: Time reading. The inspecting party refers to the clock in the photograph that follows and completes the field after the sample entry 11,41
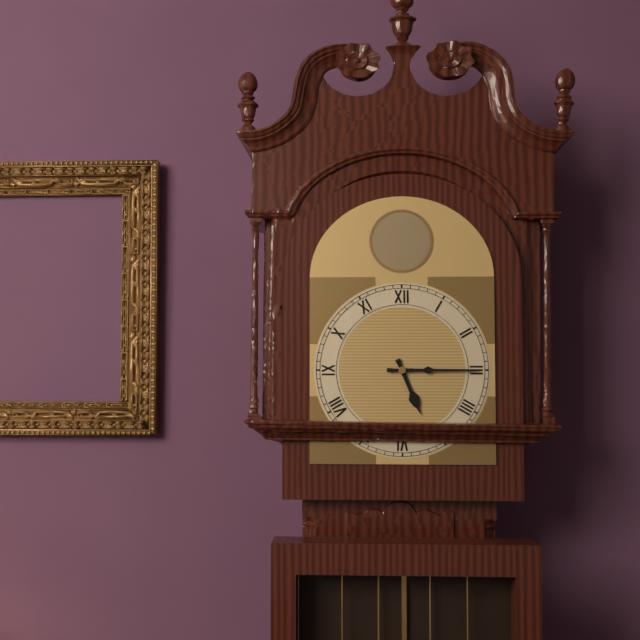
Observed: 5,15
